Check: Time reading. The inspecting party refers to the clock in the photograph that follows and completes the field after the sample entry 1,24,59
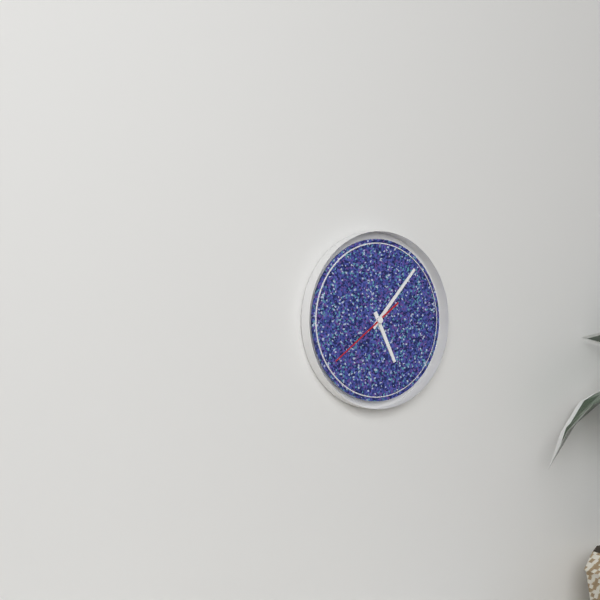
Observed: 5,07,39
